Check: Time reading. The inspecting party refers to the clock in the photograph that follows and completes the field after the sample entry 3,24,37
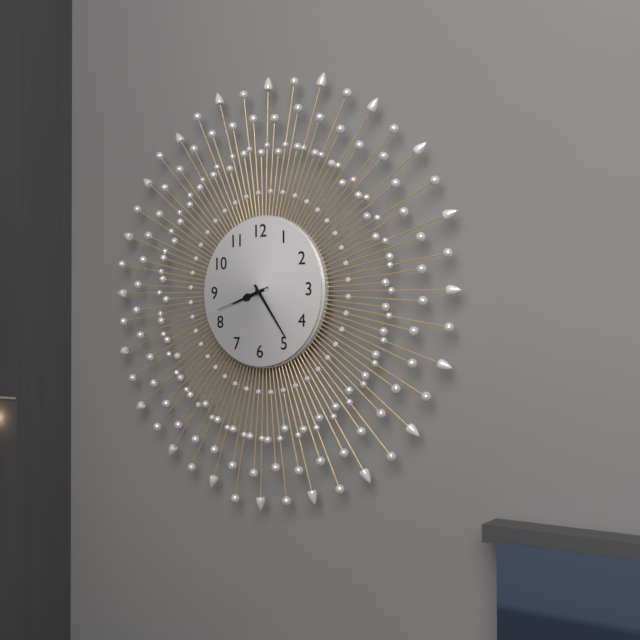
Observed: 8,24,42
